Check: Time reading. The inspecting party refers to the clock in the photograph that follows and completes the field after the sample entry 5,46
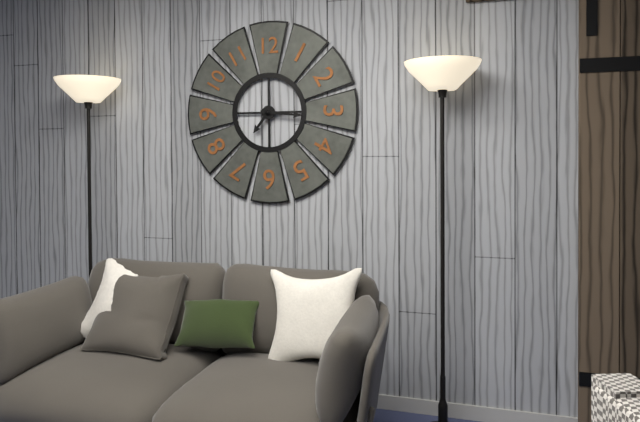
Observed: 7,16
